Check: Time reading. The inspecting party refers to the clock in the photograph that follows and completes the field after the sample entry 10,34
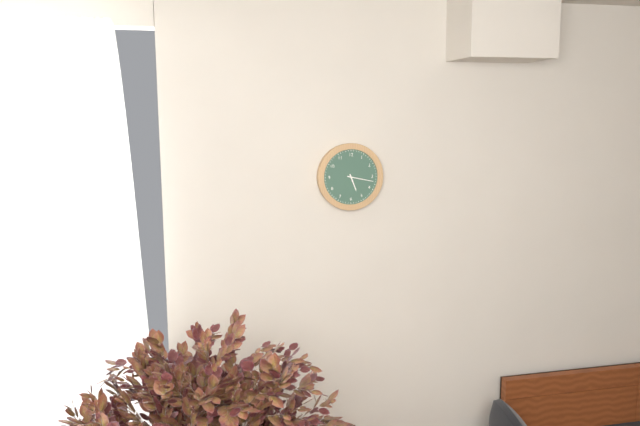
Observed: 5,17
